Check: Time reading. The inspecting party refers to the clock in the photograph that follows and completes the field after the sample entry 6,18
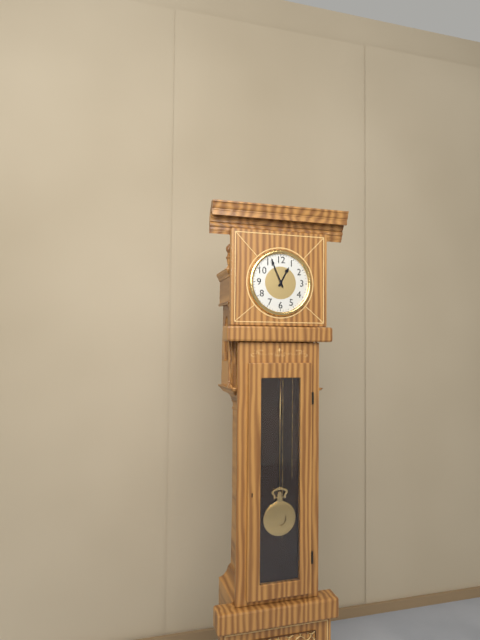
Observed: 12,56
